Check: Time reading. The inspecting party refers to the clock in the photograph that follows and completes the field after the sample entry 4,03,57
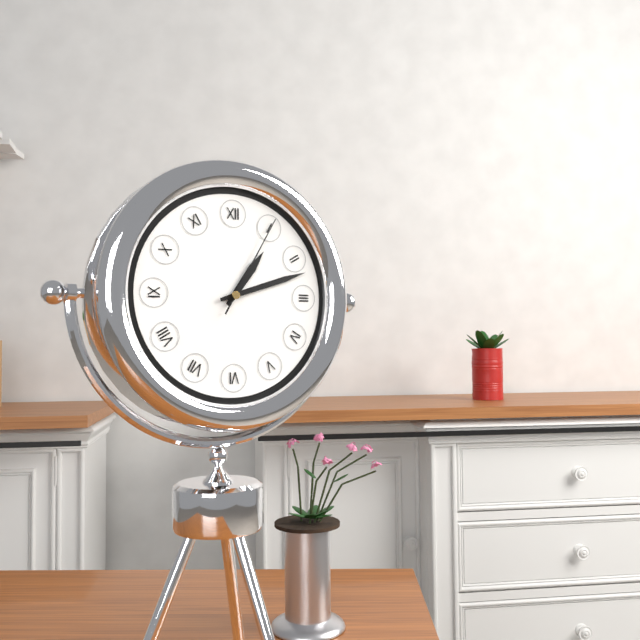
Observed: 1,12,05
